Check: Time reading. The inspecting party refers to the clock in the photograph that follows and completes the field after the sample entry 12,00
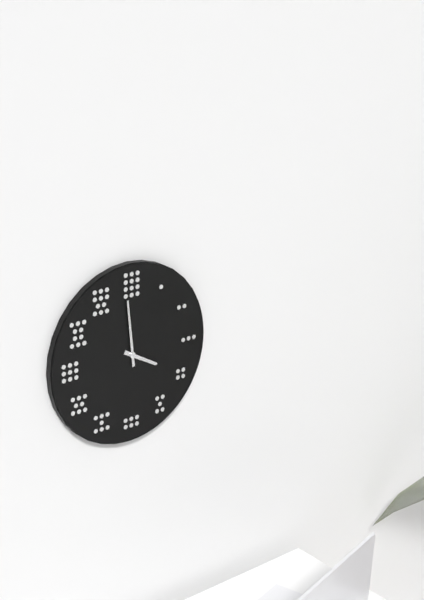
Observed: 3,59
